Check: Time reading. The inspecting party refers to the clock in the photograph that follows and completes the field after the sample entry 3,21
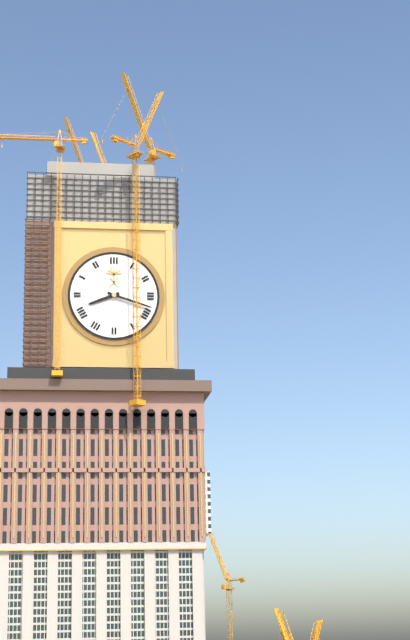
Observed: 8,18
